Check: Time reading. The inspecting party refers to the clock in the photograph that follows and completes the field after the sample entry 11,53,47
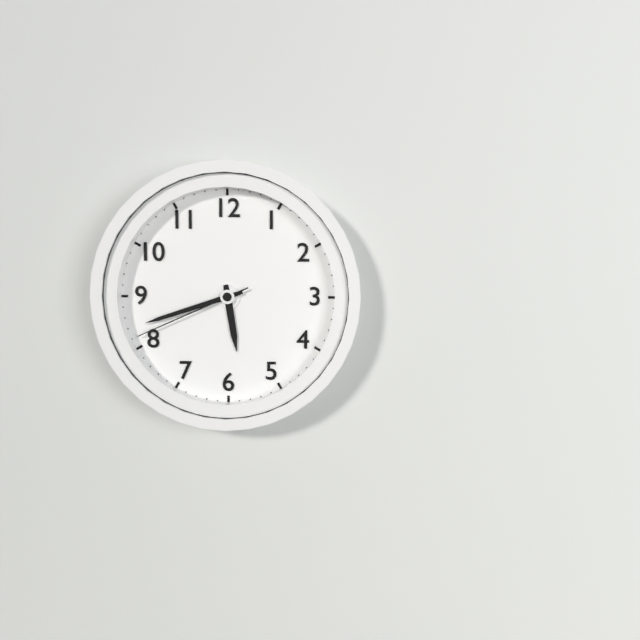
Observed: 5,42,41
